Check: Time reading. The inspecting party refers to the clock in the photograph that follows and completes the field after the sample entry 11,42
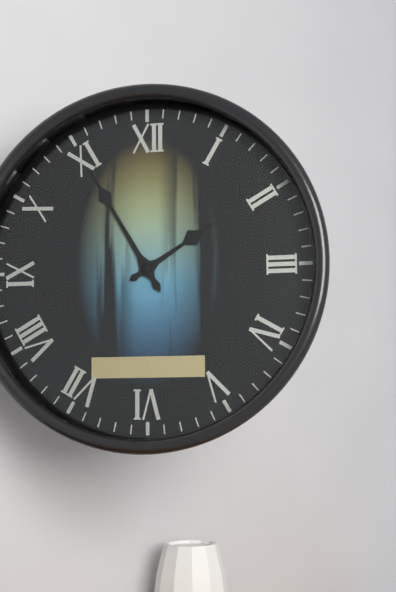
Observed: 1,55
